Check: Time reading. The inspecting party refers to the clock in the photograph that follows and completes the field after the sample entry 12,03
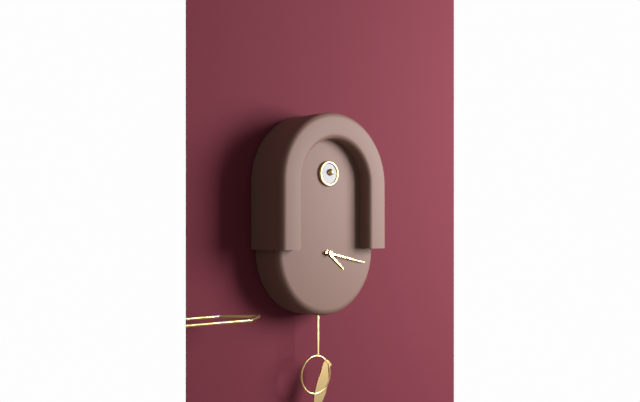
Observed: 4,17
